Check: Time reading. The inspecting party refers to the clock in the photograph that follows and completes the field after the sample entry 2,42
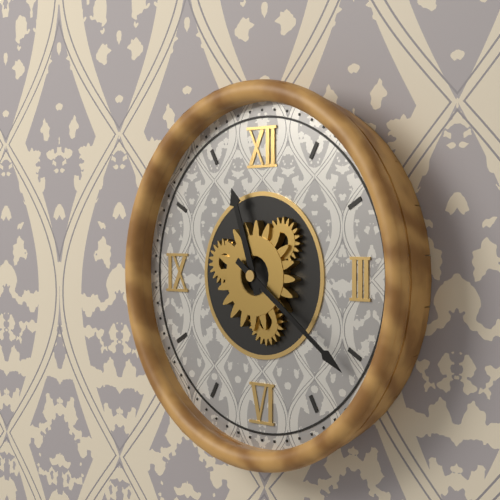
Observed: 11,21
